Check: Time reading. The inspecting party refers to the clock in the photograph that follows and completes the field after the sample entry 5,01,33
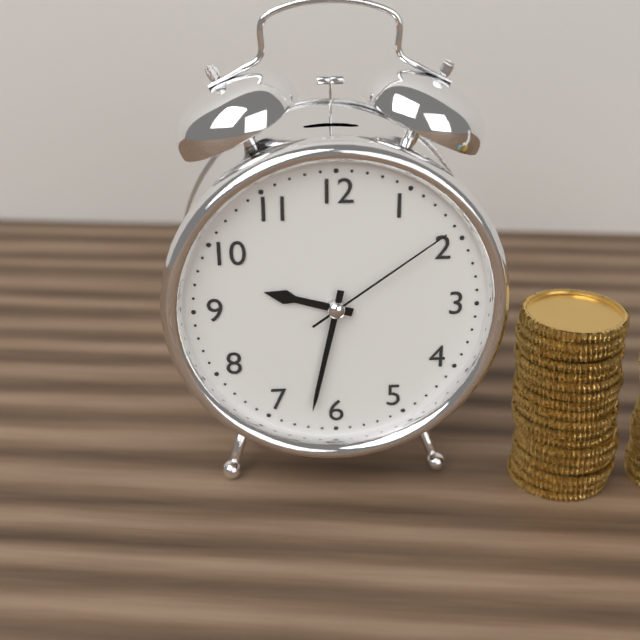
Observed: 9,32,09
